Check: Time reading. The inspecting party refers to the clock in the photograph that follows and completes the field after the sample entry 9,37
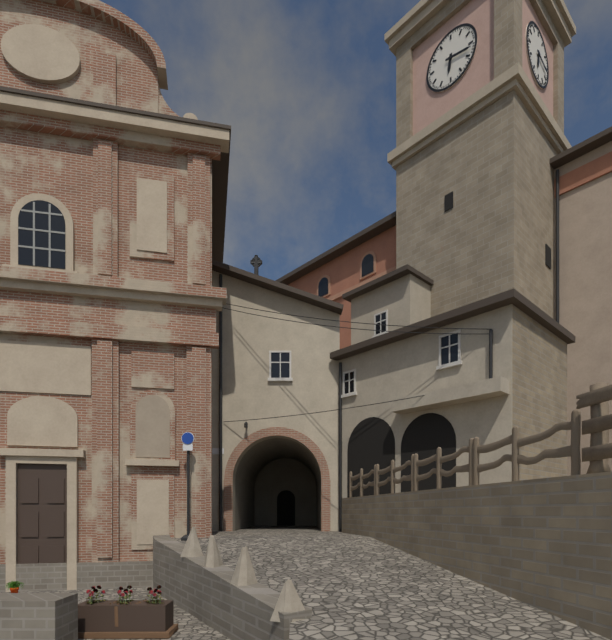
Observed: 6,17
